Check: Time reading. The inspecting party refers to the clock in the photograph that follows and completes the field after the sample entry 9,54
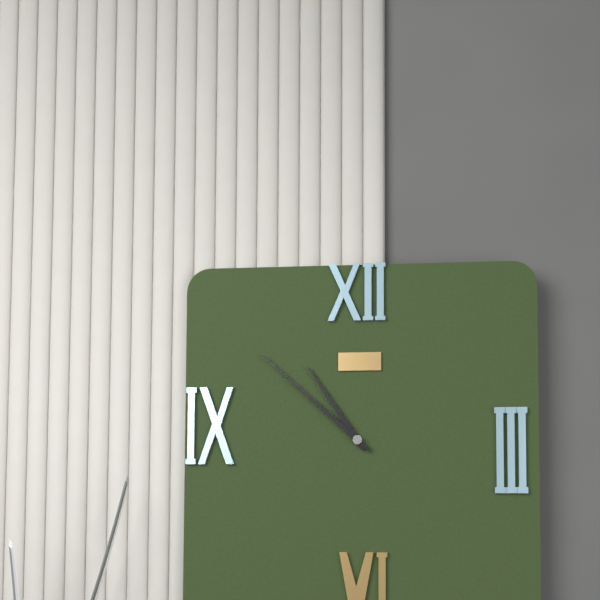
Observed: 10,52
